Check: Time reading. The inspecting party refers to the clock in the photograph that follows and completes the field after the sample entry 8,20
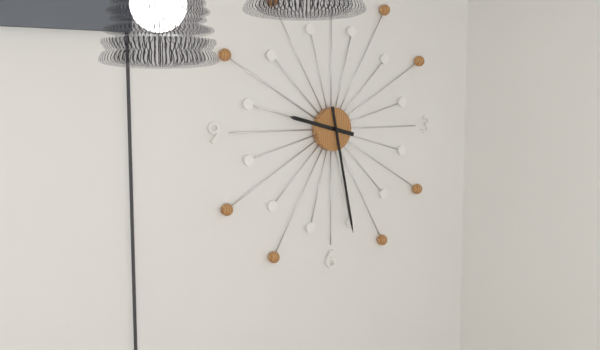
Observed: 9,28
